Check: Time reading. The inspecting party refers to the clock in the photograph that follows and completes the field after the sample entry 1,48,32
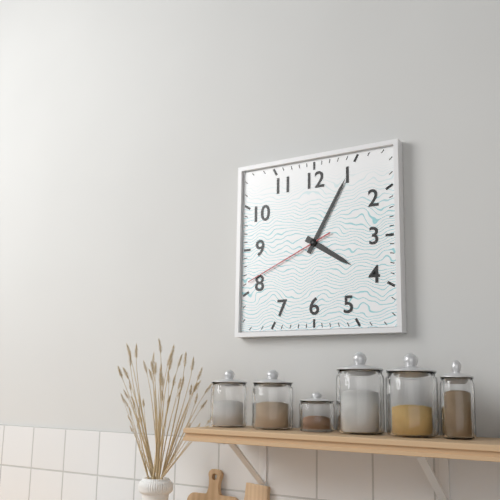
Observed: 4,05,41
